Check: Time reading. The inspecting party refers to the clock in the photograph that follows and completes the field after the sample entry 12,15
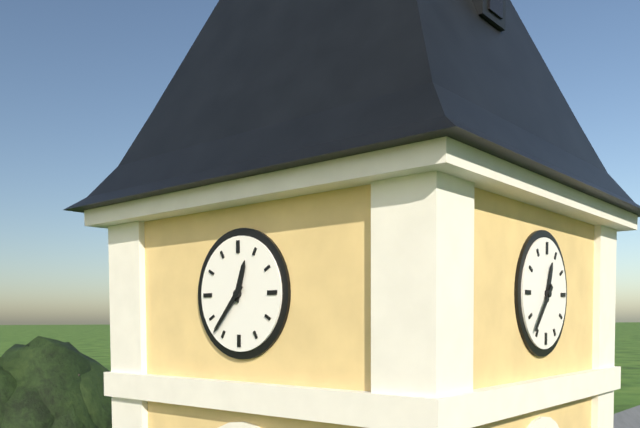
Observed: 12,37
